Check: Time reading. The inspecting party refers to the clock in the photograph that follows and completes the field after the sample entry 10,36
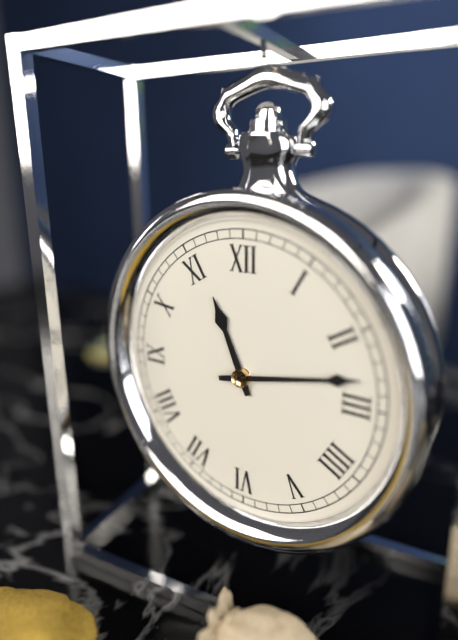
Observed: 11,13
